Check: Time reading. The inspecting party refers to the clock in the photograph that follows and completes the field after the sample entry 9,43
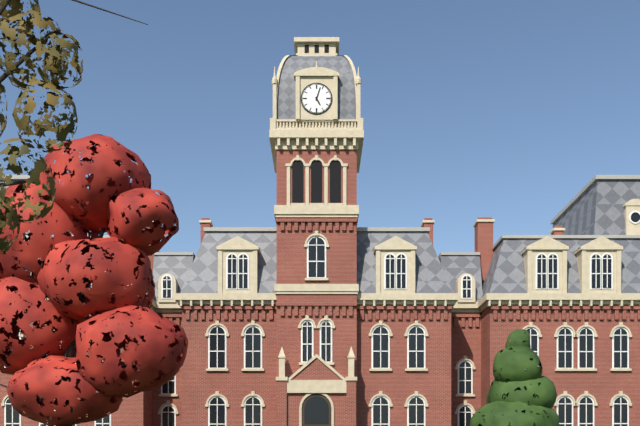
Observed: 5,03
